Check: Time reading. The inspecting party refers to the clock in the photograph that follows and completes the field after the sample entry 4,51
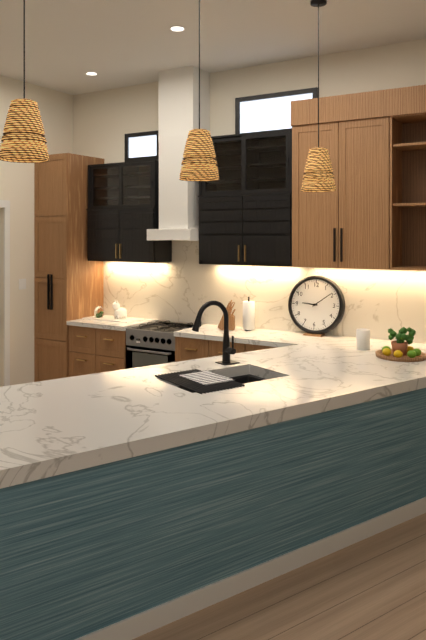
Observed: 9,09
